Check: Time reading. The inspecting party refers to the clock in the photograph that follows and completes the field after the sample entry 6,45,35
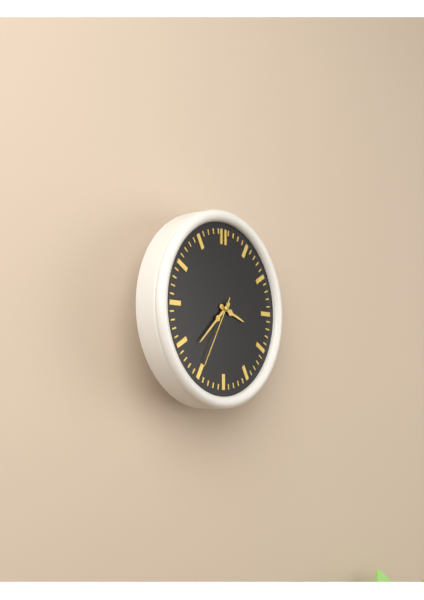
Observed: 3,38,35
